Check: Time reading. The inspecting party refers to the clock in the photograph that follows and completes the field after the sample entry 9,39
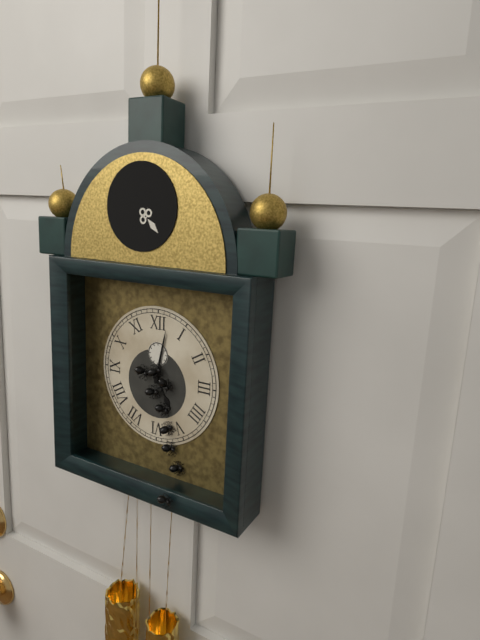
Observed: 5,02
